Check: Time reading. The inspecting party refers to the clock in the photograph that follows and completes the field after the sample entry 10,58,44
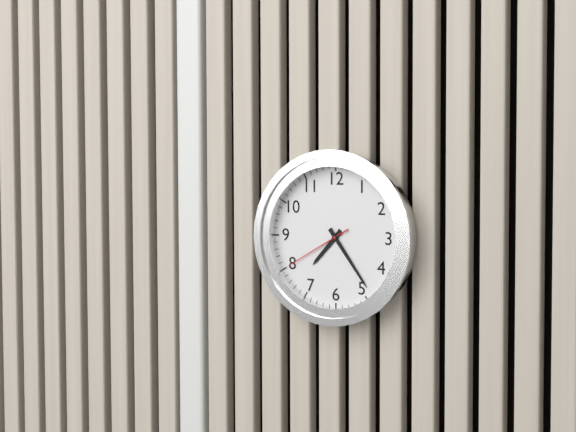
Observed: 7,24,40
